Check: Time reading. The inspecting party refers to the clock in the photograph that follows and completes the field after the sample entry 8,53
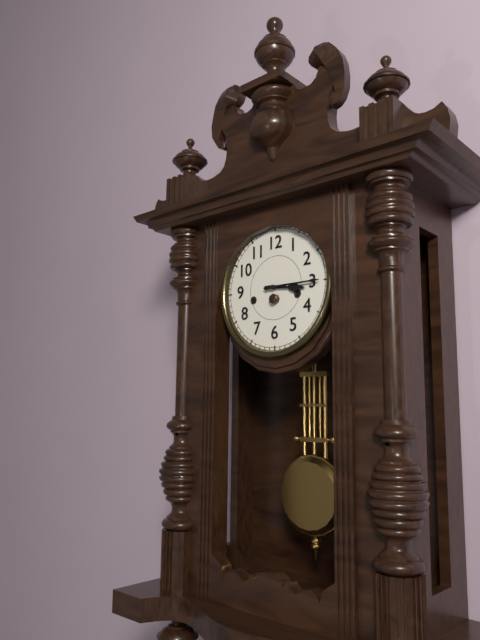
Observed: 3,15
